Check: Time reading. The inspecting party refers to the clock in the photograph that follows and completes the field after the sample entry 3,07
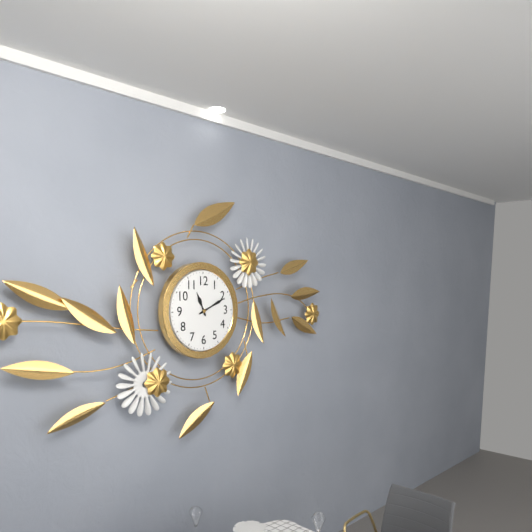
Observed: 11,11
